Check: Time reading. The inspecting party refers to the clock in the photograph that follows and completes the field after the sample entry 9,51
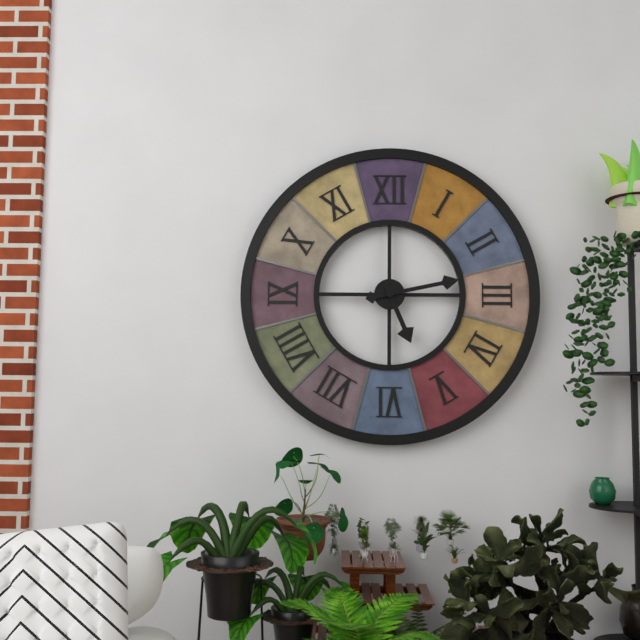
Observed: 5,13
